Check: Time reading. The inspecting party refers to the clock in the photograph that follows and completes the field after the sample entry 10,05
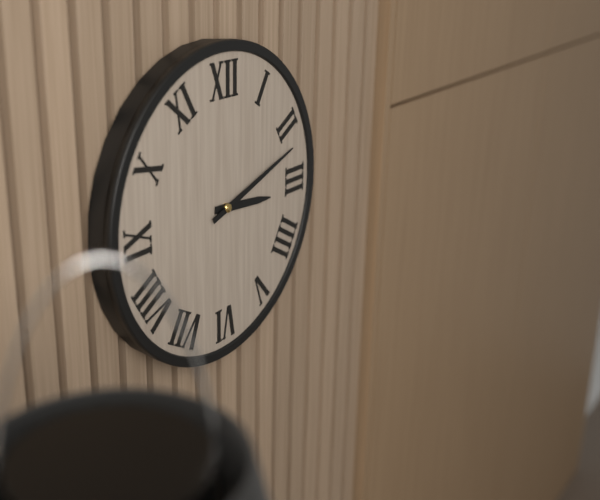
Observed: 3,12
